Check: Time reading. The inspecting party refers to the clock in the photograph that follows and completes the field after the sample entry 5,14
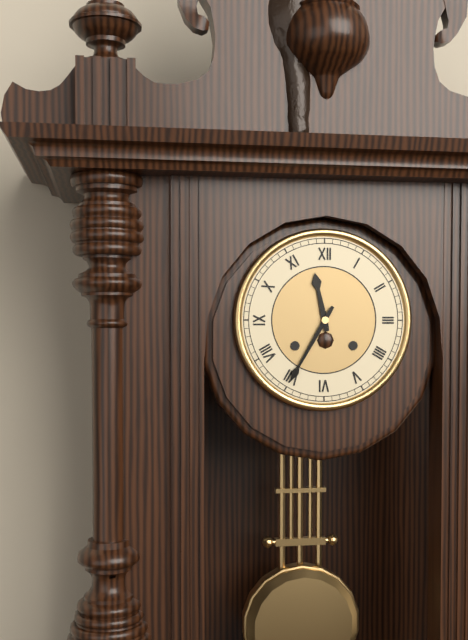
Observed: 11,35
